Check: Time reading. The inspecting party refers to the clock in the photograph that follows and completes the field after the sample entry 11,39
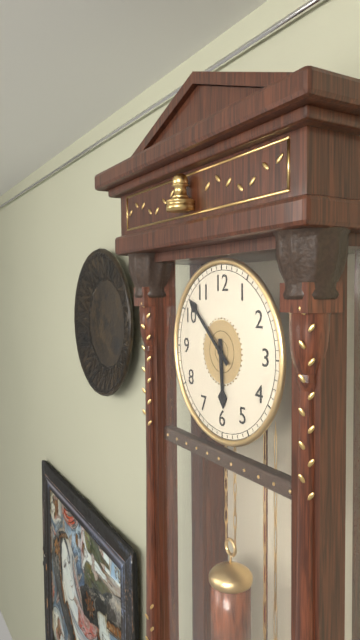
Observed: 5,52
